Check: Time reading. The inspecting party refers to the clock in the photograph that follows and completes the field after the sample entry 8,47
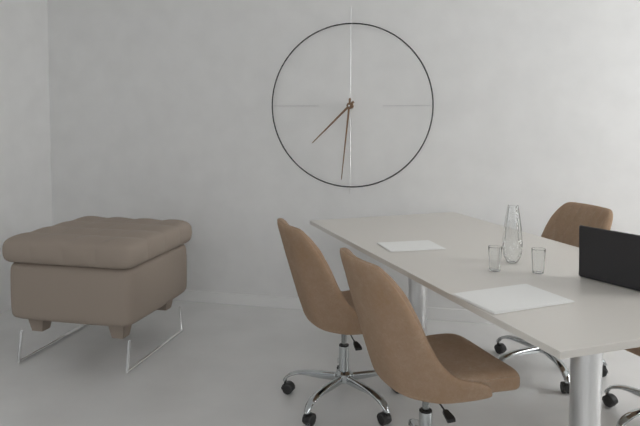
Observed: 7,31
